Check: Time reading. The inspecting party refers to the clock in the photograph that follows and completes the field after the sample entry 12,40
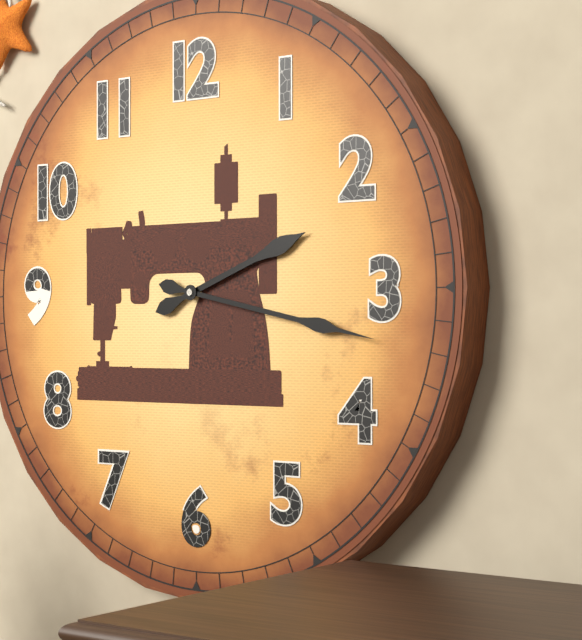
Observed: 2,17
